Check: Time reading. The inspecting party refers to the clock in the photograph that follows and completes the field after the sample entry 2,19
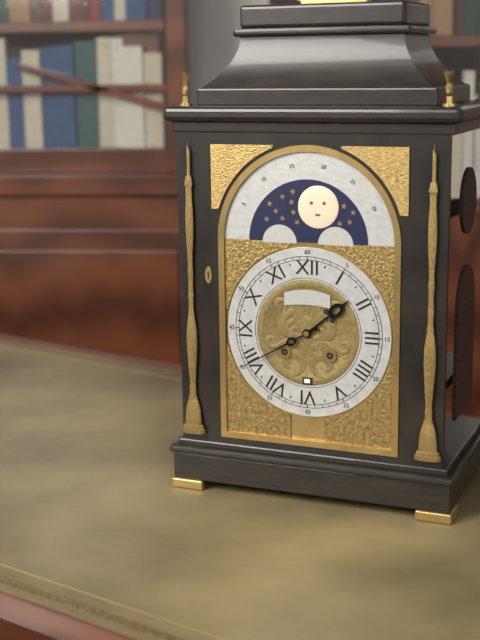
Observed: 1,40
